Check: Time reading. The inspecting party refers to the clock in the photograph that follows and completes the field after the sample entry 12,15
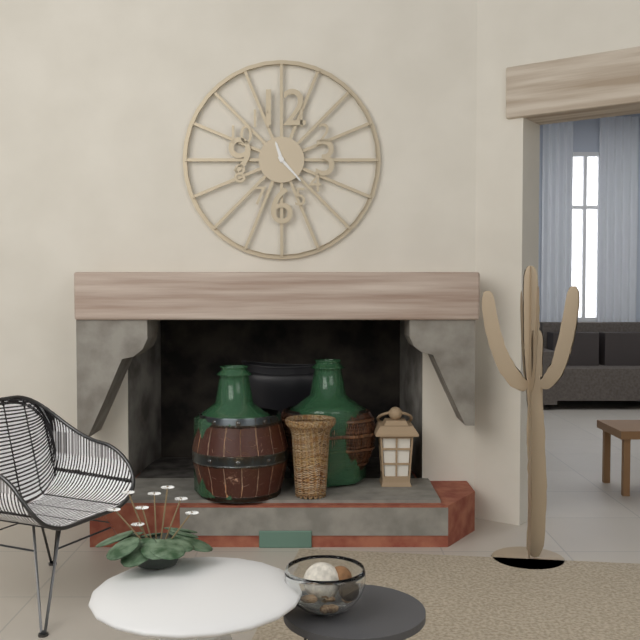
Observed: 11,23
